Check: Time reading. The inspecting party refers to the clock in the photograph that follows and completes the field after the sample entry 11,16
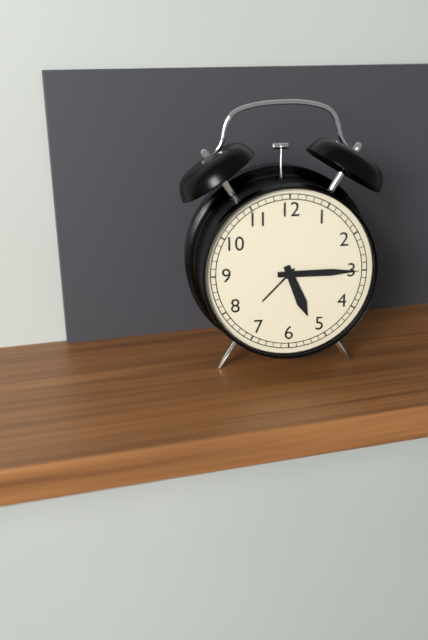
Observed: 5,15
